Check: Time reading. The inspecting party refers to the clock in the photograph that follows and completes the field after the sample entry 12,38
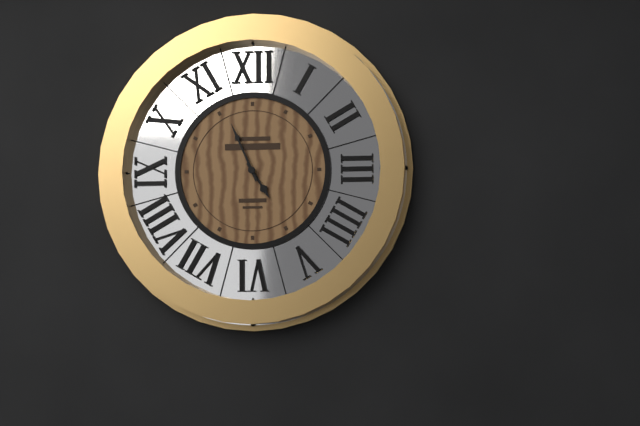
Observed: 4,56
